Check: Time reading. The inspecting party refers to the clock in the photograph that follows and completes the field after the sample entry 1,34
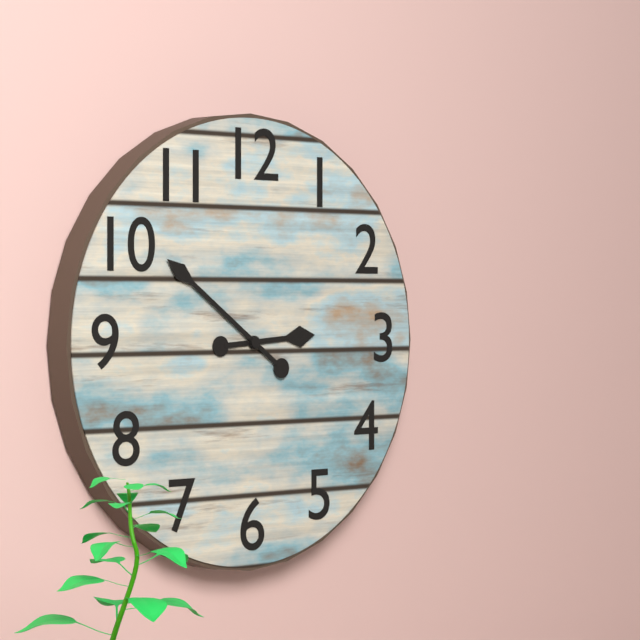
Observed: 2,51
